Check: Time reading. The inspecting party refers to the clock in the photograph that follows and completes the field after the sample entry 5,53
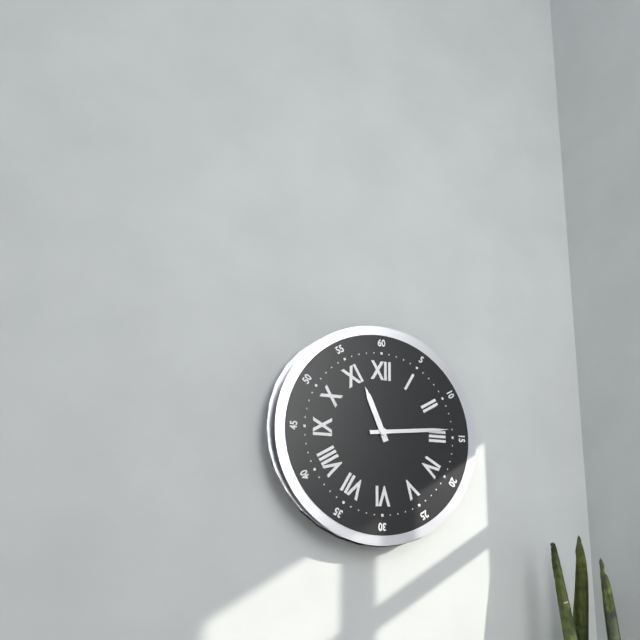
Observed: 11,14
